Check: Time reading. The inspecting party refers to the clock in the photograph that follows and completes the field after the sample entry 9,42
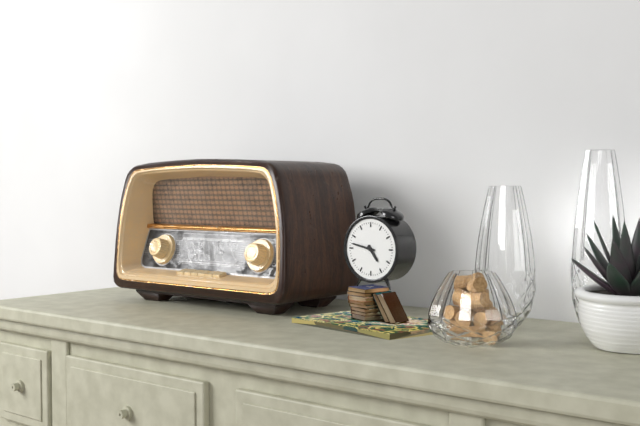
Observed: 4,47
